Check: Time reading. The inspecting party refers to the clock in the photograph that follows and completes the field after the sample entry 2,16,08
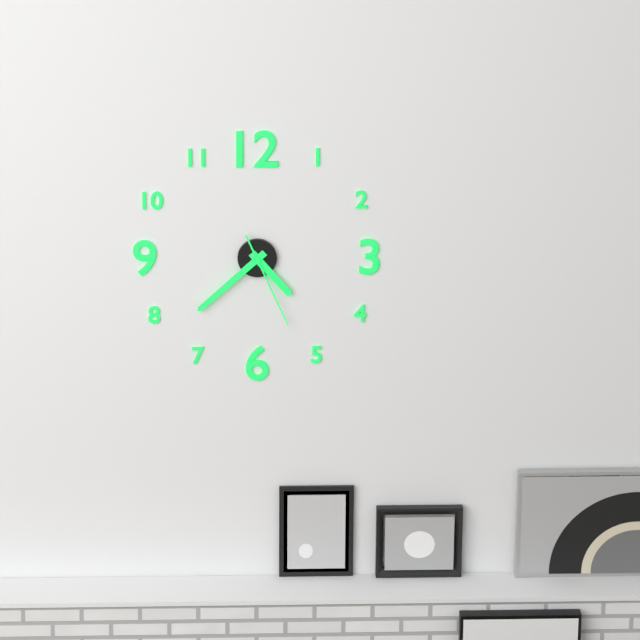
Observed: 4,38,26
